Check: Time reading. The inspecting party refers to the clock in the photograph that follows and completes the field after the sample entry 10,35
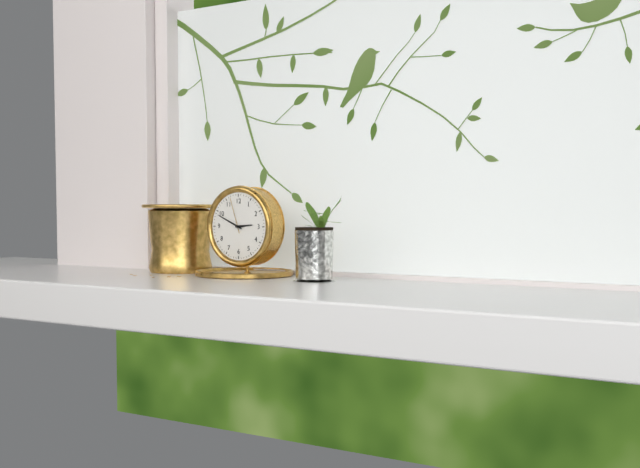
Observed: 2,49
